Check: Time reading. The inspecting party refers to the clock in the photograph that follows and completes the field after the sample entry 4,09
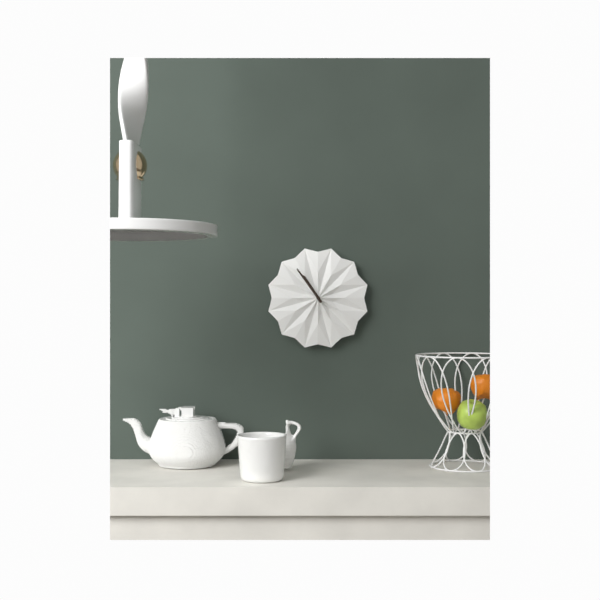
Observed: 10,54
